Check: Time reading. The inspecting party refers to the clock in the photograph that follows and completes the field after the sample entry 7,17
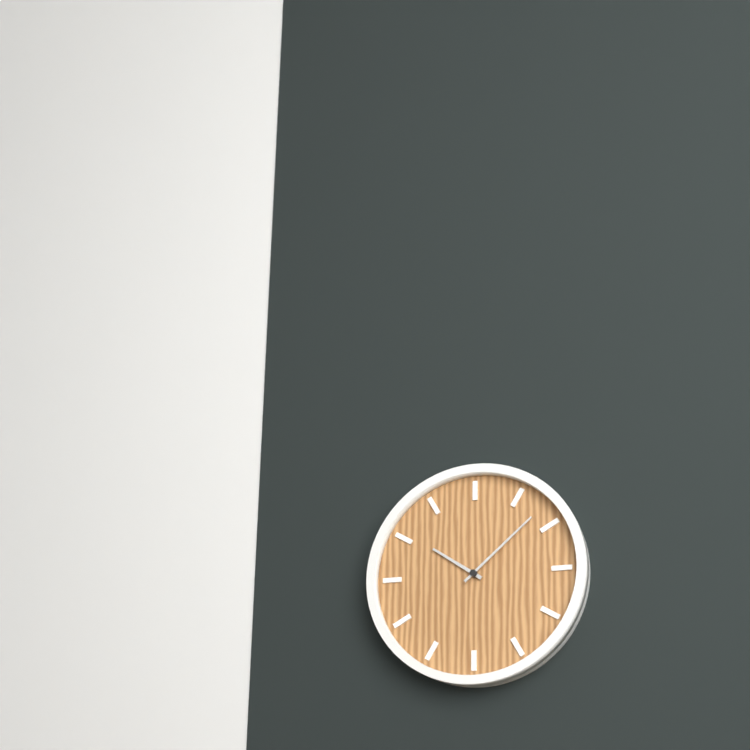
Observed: 10,08
